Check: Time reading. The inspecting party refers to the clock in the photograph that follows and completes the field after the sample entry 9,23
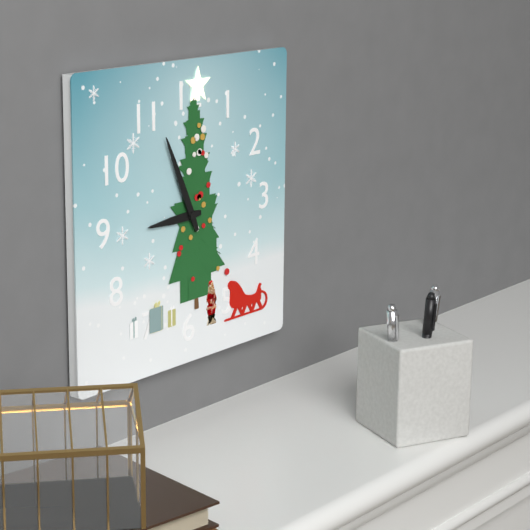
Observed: 8,56
